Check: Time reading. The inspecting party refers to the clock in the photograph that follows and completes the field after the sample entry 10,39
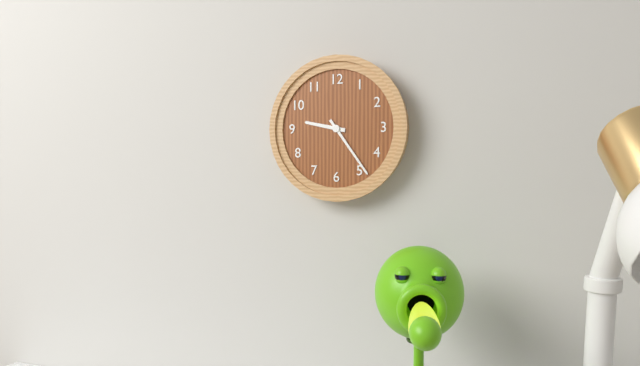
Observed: 9,24
